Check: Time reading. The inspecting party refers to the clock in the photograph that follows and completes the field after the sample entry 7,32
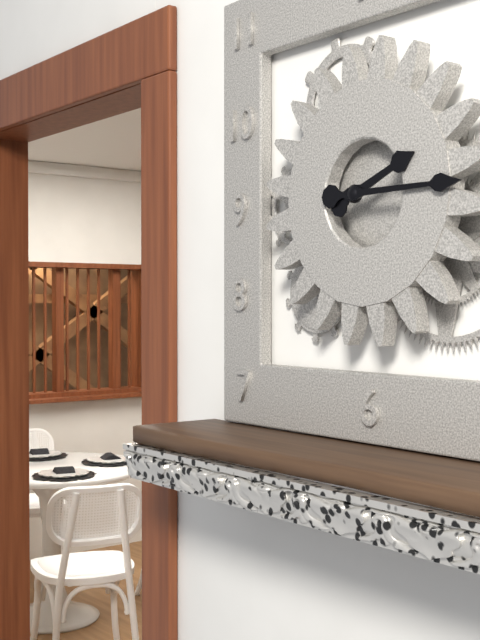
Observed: 2,15
